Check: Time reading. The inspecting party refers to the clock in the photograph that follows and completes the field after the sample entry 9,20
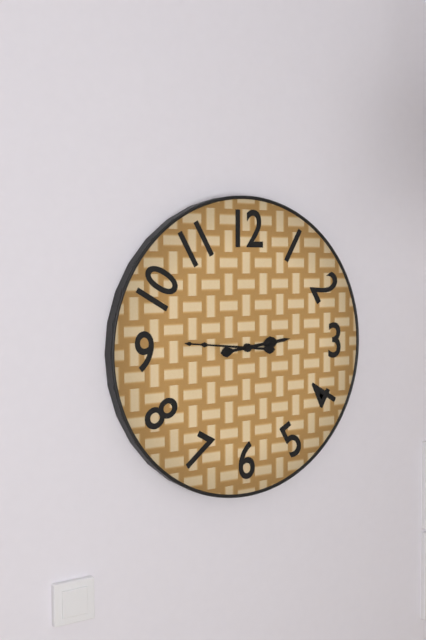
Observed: 2,46
